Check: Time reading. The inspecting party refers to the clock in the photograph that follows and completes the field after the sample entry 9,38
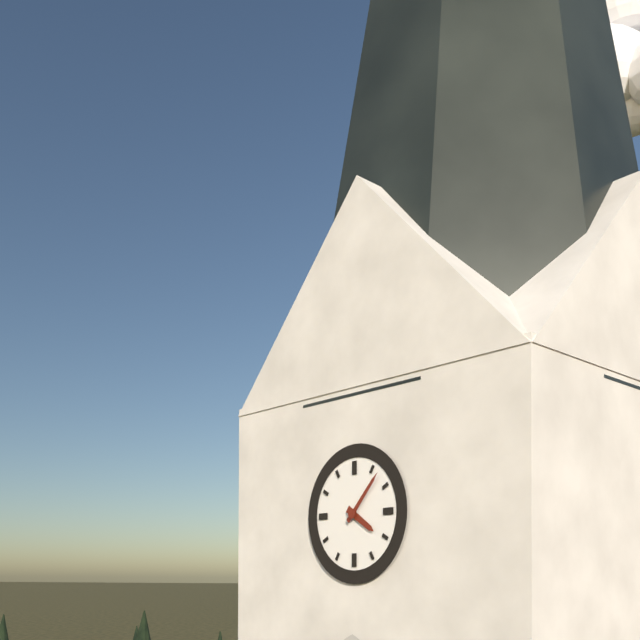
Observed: 4,07
